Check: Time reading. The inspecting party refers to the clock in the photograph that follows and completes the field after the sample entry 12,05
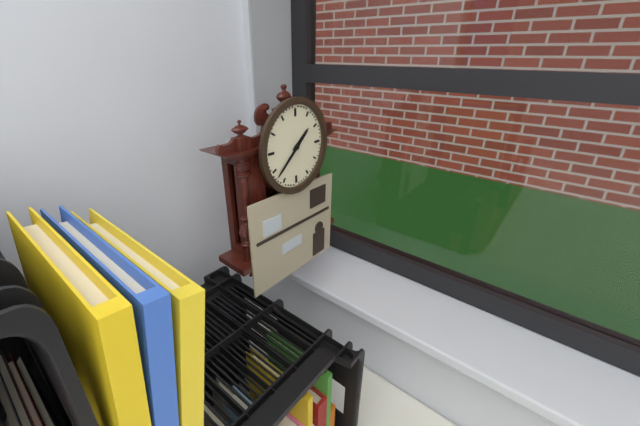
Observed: 1,38
